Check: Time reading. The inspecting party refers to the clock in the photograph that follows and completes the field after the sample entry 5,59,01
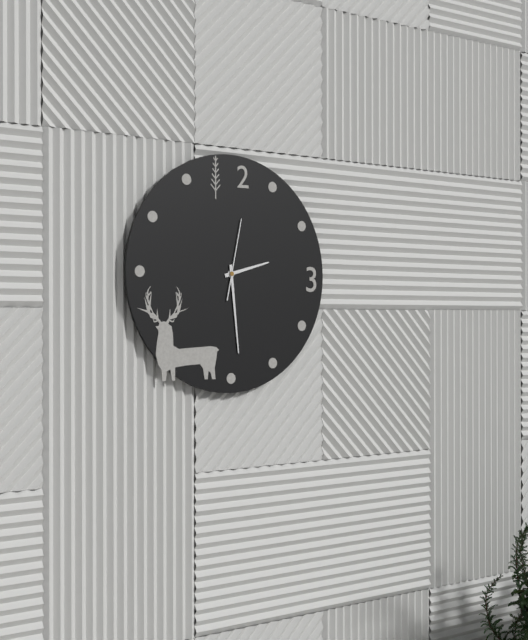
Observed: 2,29,02
